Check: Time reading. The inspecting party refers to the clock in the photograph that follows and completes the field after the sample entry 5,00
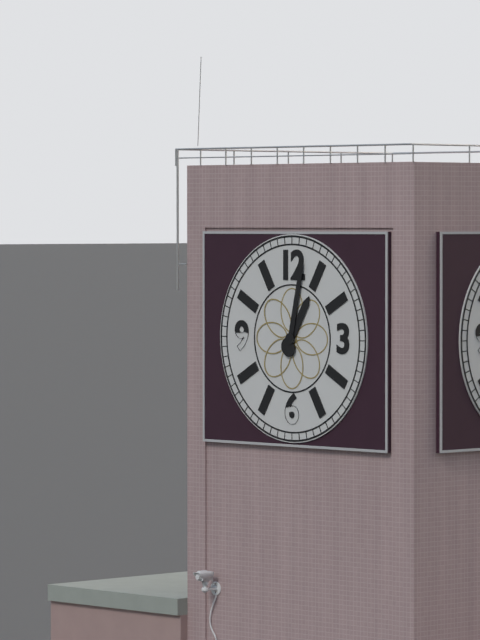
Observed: 1,02
